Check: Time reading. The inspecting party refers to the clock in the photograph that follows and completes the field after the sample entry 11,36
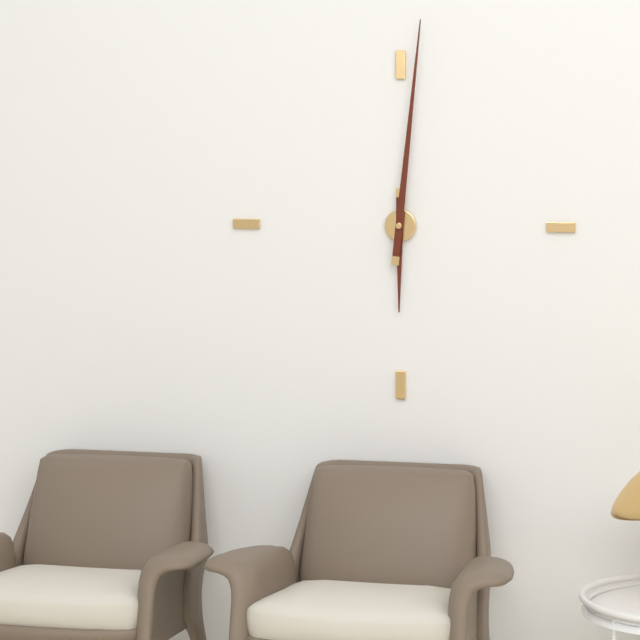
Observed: 6,01
